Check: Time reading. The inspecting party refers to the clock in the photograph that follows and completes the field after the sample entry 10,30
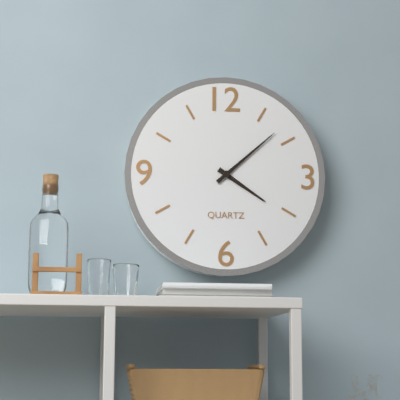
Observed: 4,08
